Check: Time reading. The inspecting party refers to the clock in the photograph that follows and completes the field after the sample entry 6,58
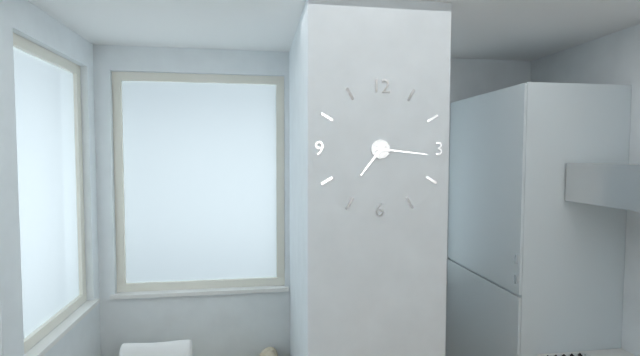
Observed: 7,16
